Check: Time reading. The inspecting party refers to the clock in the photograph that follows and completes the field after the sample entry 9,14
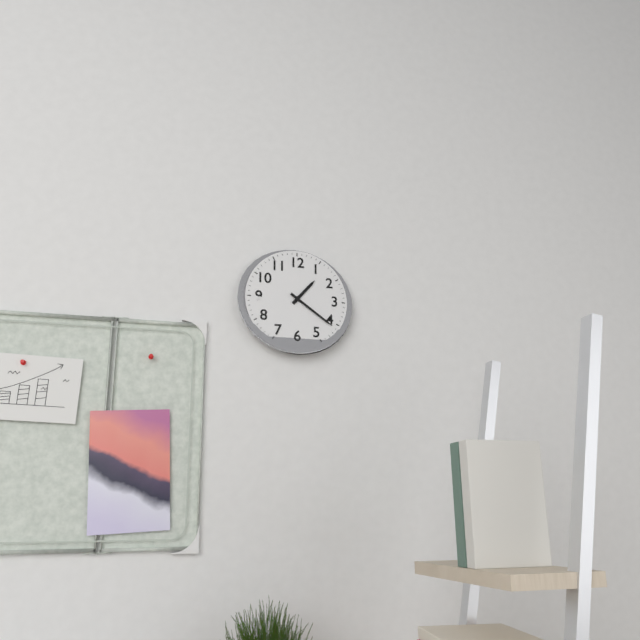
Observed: 1,21
